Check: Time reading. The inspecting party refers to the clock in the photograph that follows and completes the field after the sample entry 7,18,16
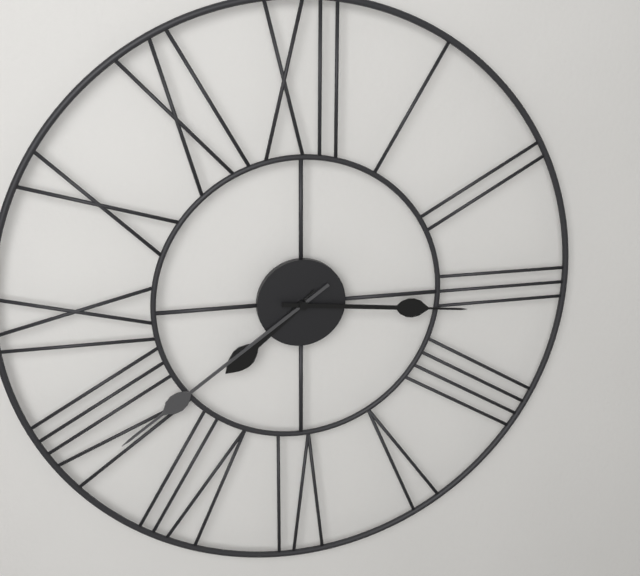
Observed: 7,39,16
